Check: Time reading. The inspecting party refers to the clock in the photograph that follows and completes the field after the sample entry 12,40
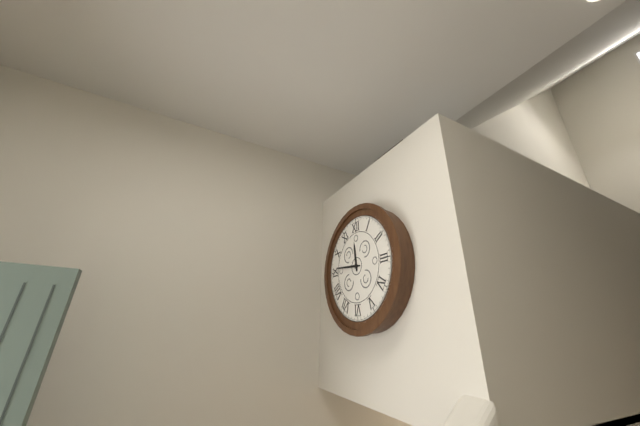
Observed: 11,46
